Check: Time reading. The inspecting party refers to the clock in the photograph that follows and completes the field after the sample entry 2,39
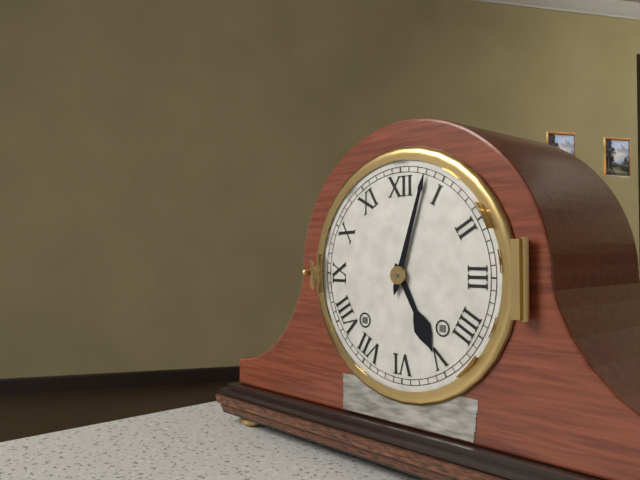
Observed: 5,03
